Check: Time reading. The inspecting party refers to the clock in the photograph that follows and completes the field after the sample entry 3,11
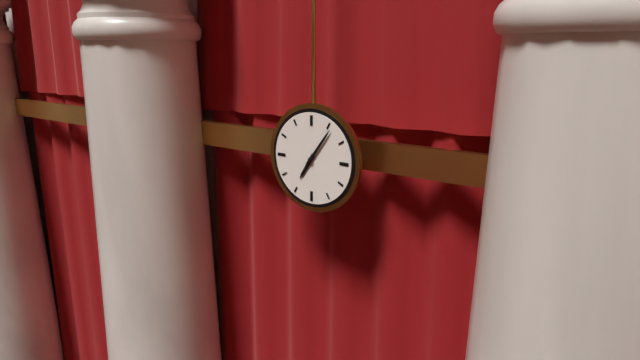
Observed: 7,06
